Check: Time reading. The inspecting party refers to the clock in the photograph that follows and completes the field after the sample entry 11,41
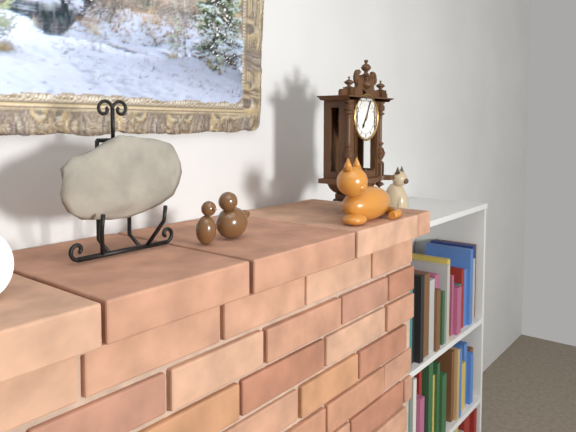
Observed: 7,04
